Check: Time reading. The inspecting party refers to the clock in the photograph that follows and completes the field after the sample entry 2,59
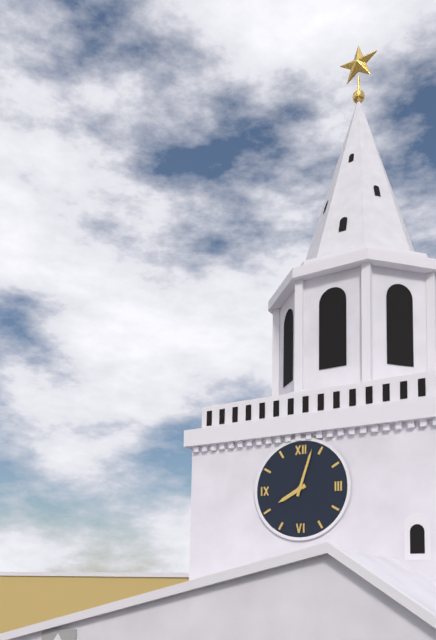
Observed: 8,03
